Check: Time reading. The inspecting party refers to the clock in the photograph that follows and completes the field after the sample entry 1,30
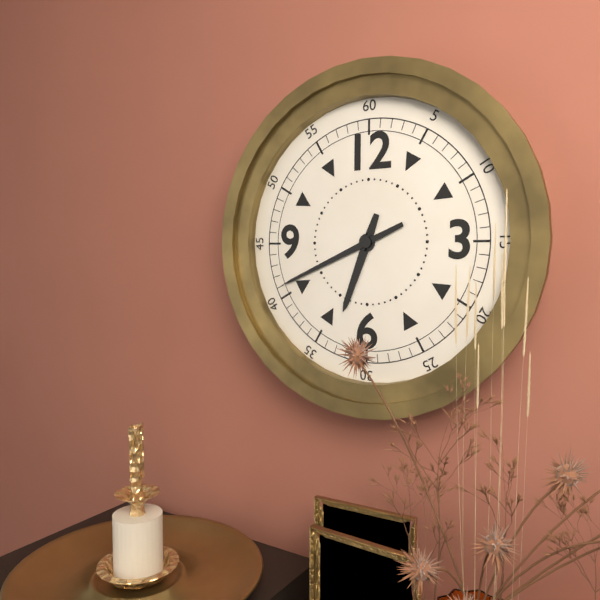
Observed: 6,41
